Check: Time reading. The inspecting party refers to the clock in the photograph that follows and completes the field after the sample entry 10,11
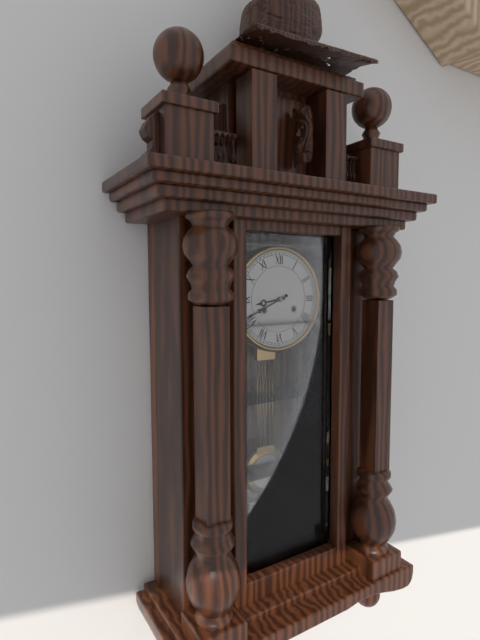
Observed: 8,41
